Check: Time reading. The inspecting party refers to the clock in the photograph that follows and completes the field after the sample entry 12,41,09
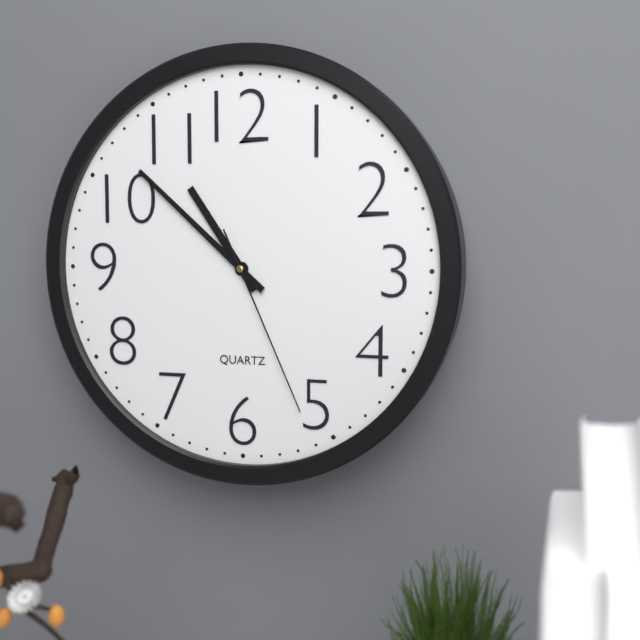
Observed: 10,52,26
